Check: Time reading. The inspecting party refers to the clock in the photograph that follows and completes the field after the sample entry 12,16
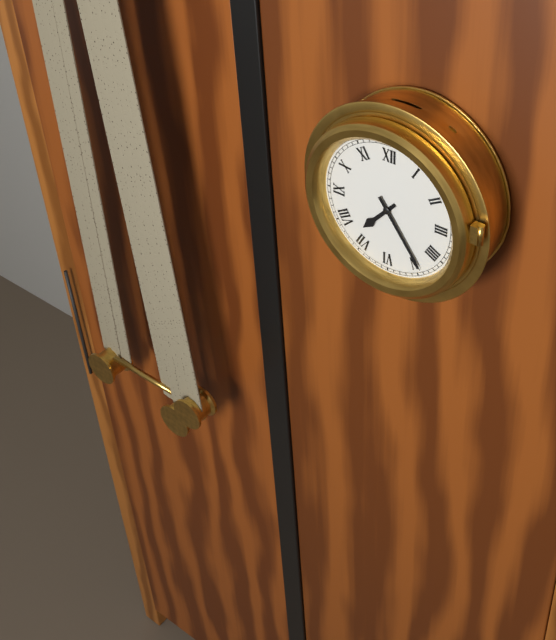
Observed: 7,24
